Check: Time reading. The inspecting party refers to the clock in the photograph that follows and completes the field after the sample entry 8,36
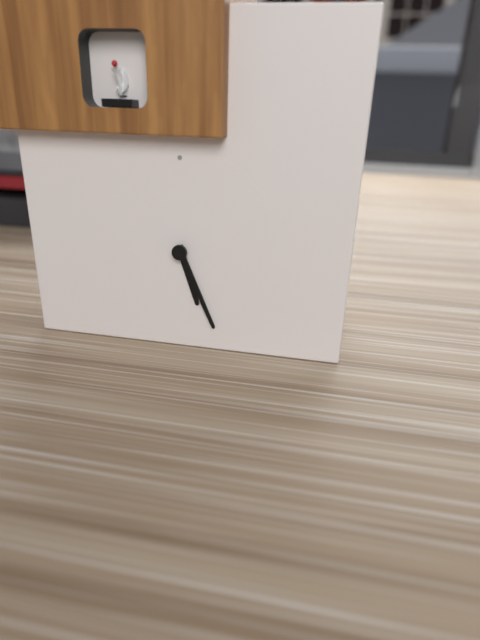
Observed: 5,26
